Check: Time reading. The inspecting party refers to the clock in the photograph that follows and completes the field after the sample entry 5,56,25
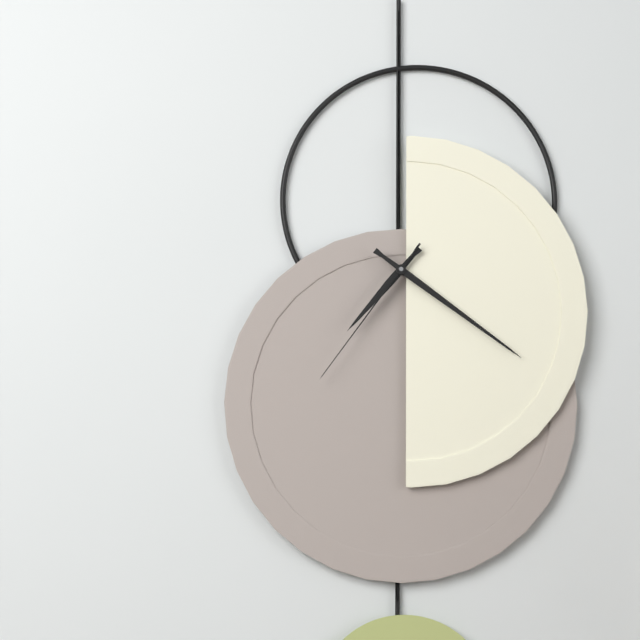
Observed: 7,21,36
